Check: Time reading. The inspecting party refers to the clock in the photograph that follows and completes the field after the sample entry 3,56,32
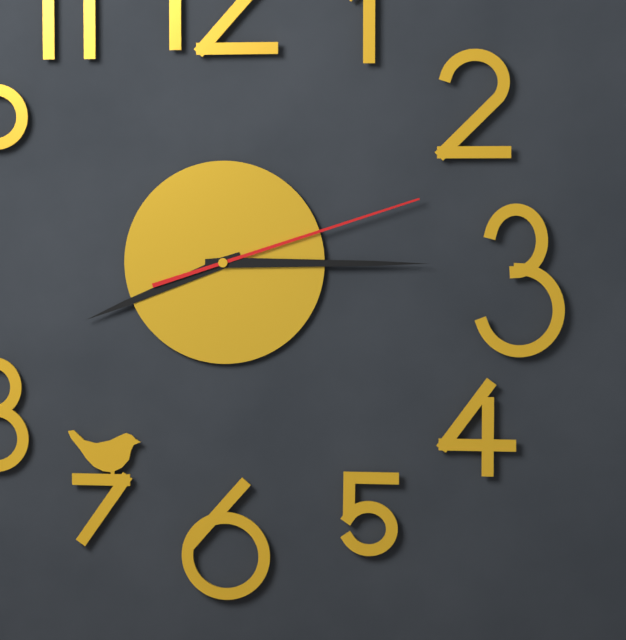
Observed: 8,15,12
